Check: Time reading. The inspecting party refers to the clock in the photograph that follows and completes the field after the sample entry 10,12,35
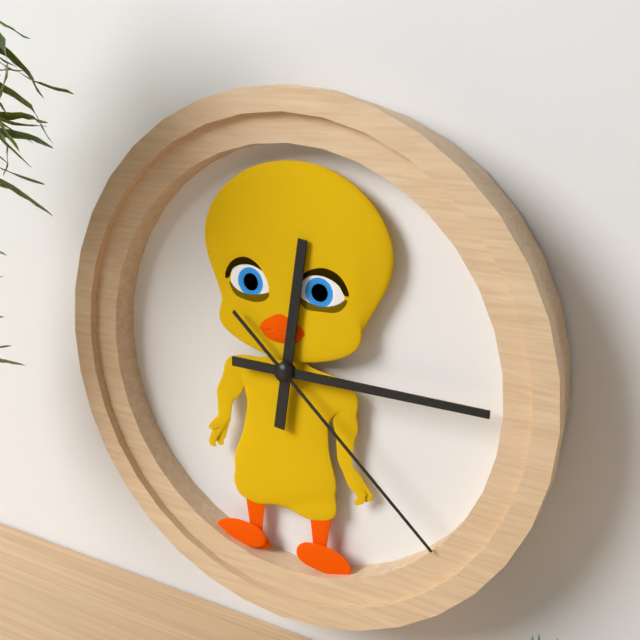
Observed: 12,15,22
